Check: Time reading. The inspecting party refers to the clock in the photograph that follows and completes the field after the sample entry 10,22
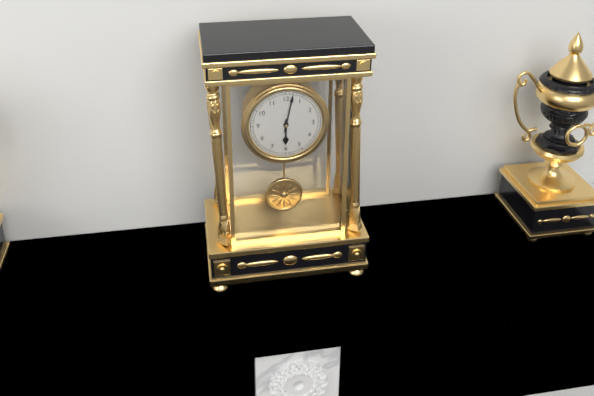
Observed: 6,02
